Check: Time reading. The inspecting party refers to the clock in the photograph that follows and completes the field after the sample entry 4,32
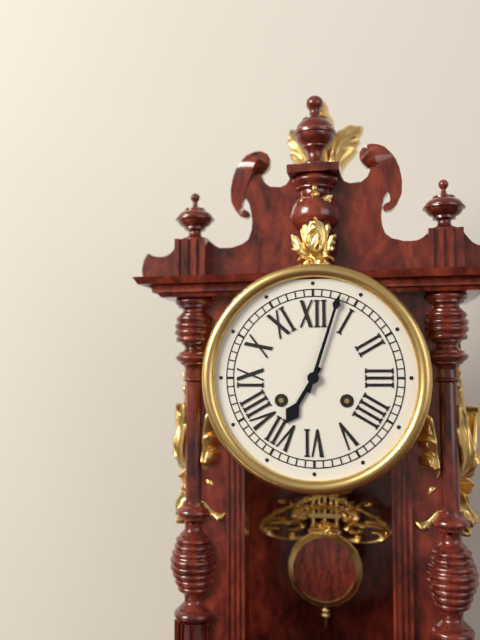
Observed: 7,03
